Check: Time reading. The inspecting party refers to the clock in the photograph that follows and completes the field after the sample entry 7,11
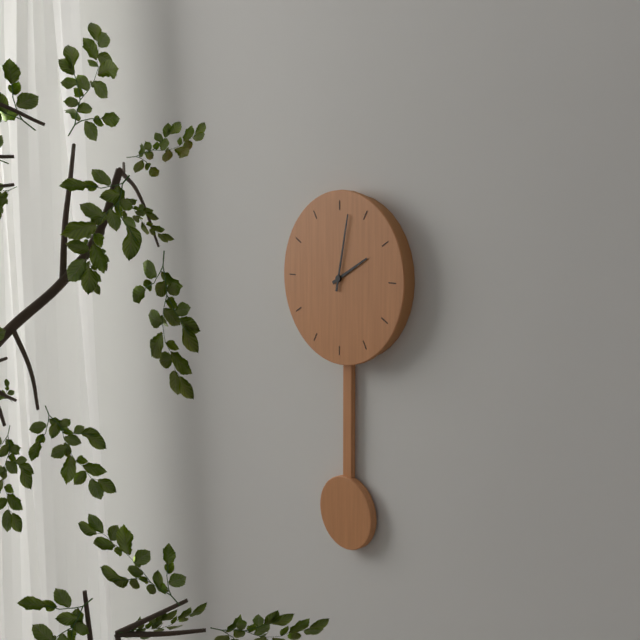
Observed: 2,02
